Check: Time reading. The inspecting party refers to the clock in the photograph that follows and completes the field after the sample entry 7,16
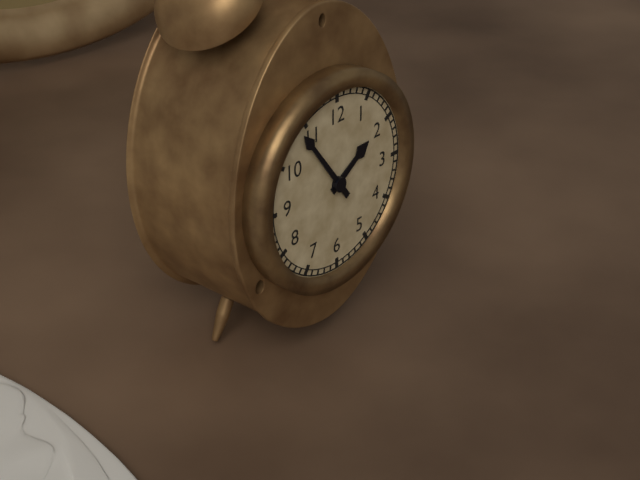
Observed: 1,54
